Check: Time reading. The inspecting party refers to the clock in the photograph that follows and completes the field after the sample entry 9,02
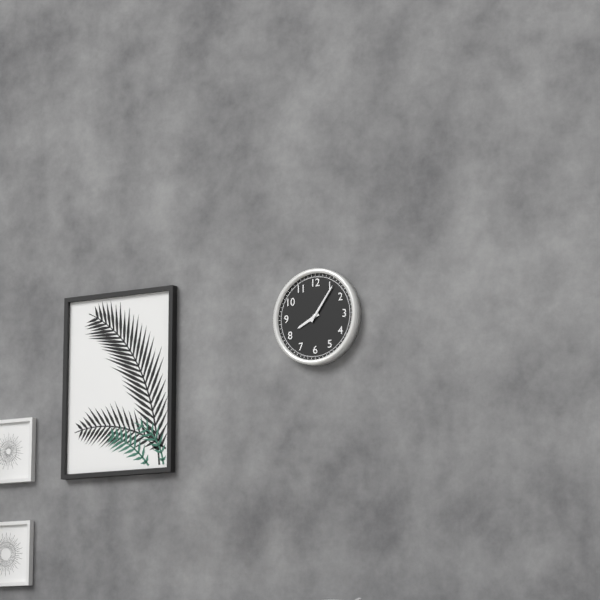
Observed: 8,06
